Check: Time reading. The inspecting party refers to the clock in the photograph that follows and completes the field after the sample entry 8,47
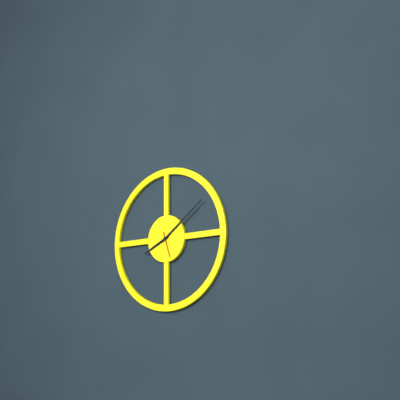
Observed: 8,09
